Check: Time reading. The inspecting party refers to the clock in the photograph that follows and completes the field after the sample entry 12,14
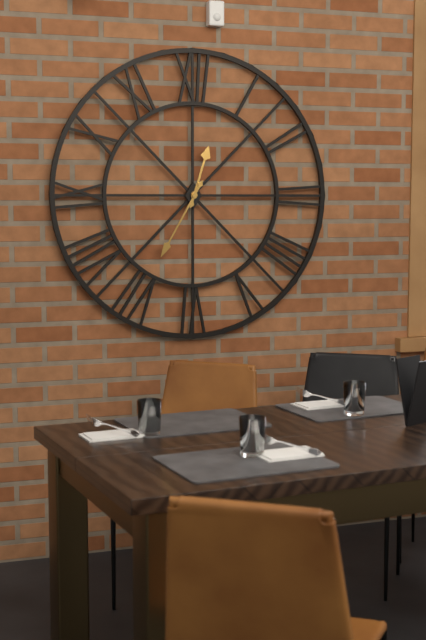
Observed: 12,35
